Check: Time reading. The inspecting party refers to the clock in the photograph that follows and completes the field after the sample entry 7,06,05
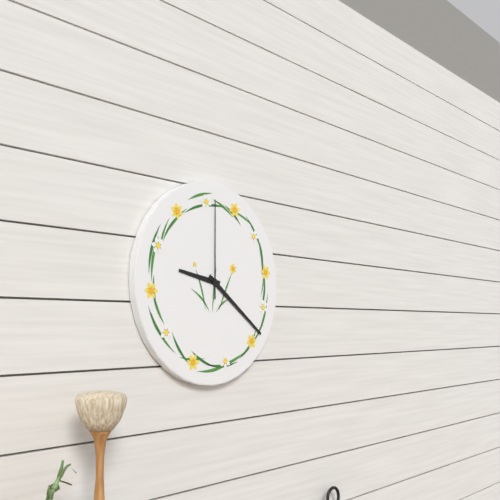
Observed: 9,21,00
